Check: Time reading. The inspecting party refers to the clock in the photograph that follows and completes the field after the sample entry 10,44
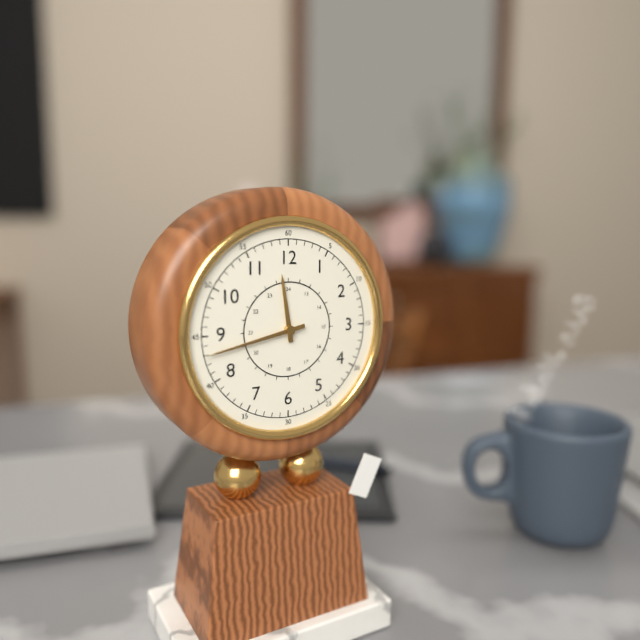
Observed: 11,43
